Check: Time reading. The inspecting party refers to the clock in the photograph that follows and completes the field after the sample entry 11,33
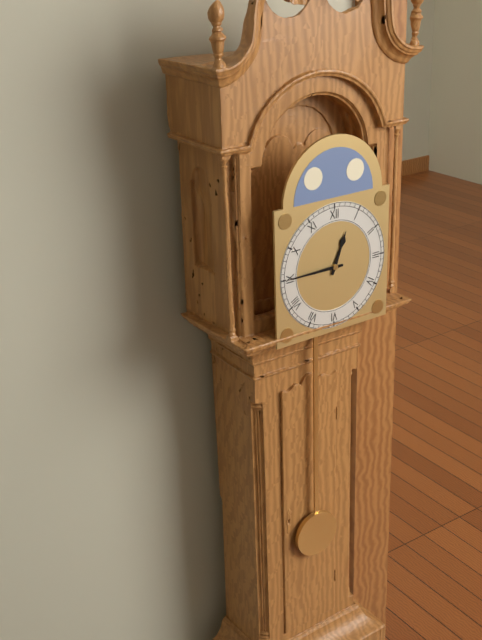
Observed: 12,45
